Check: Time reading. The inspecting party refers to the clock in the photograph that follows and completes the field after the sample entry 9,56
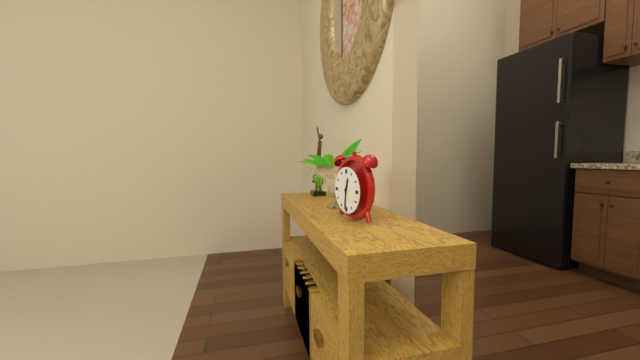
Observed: 12,31
